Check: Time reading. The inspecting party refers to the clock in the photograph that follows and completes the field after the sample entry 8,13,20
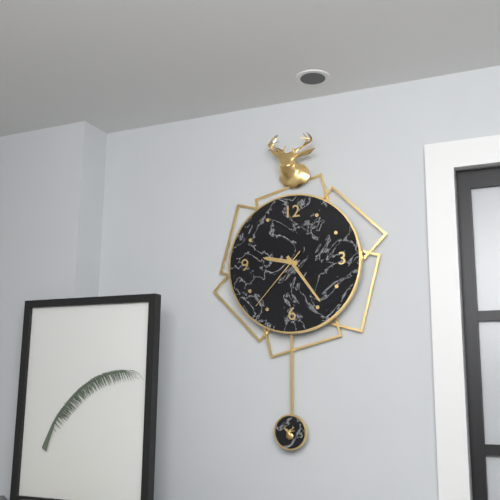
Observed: 9,24,37
